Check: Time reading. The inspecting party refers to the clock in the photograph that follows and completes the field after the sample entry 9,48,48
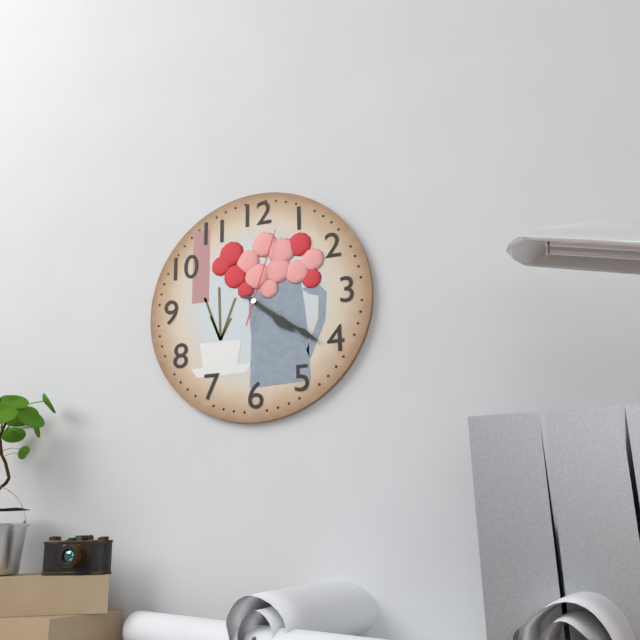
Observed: 4,21,03
